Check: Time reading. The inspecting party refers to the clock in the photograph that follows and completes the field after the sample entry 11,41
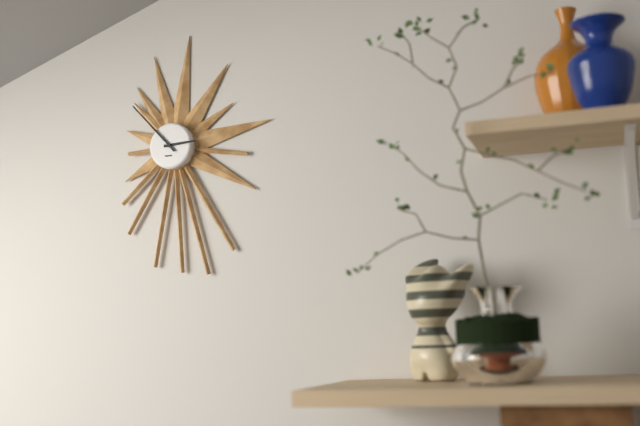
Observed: 2,53
